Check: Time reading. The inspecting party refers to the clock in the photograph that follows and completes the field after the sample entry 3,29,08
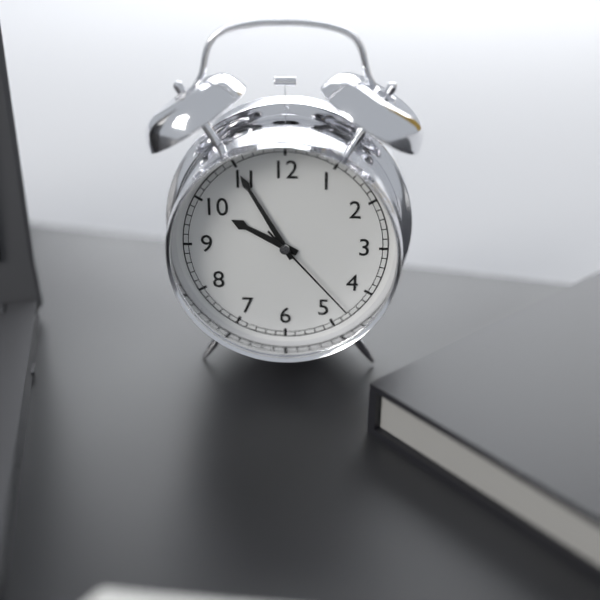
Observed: 9,55,23
